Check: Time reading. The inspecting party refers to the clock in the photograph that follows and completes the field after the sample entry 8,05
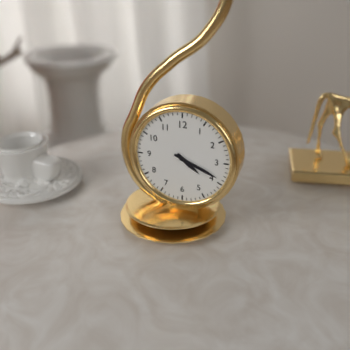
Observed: 4,19
